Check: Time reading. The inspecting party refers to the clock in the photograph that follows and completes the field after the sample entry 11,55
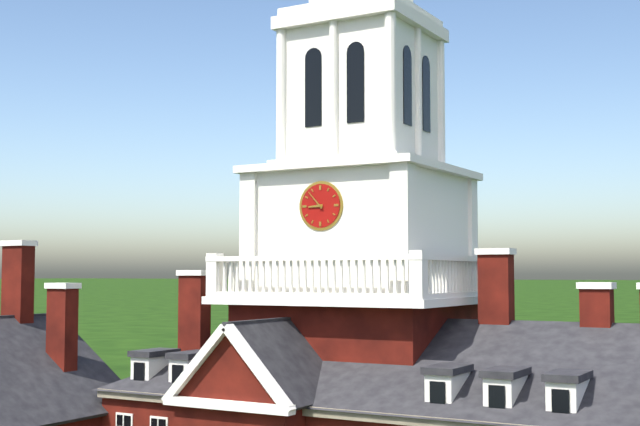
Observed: 8,53
